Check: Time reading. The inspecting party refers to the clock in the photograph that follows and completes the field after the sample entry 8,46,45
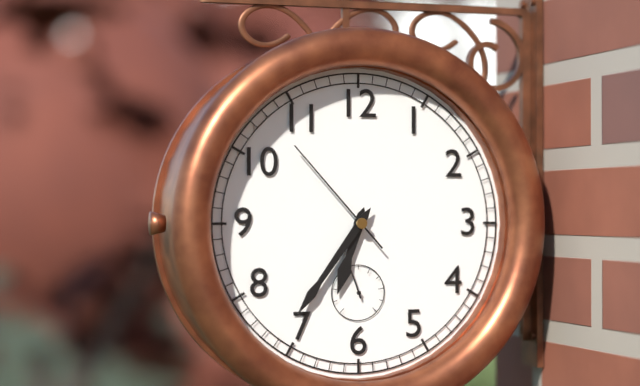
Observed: 6,36,53
